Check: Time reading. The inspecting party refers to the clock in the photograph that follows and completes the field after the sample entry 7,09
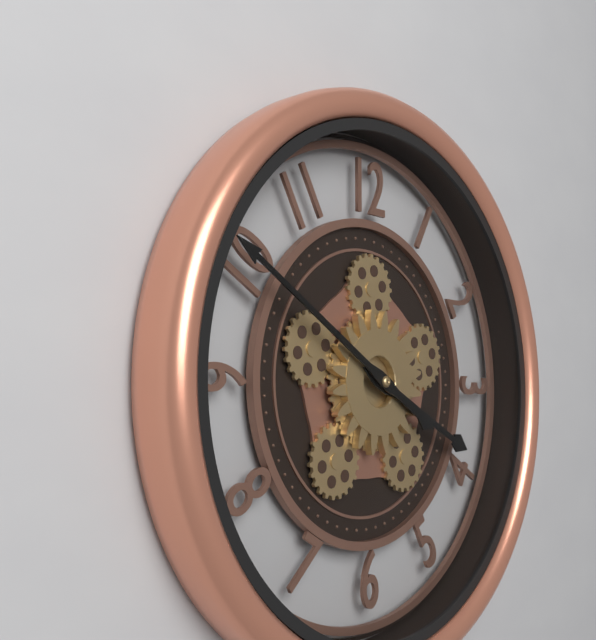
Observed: 3,50
